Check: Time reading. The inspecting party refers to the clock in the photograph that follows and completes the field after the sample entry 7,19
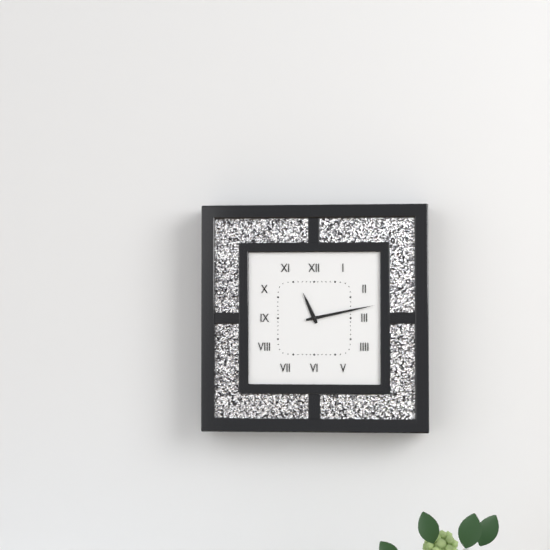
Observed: 11,13
